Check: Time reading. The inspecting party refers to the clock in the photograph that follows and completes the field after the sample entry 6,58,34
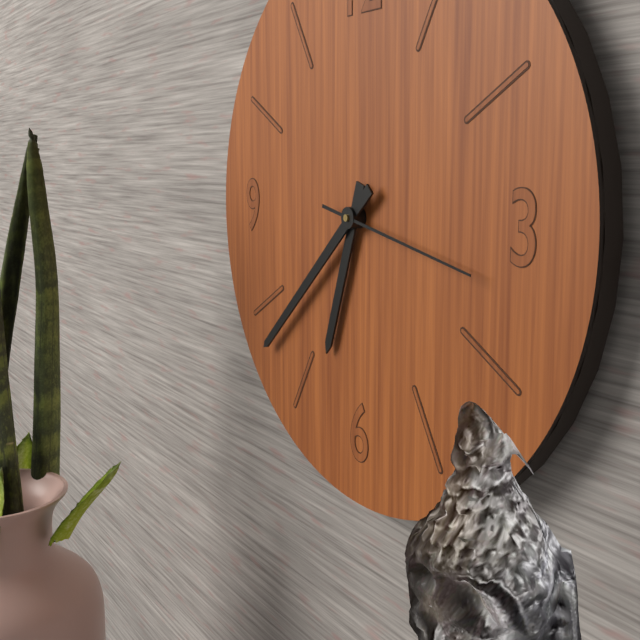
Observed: 6,38,17
